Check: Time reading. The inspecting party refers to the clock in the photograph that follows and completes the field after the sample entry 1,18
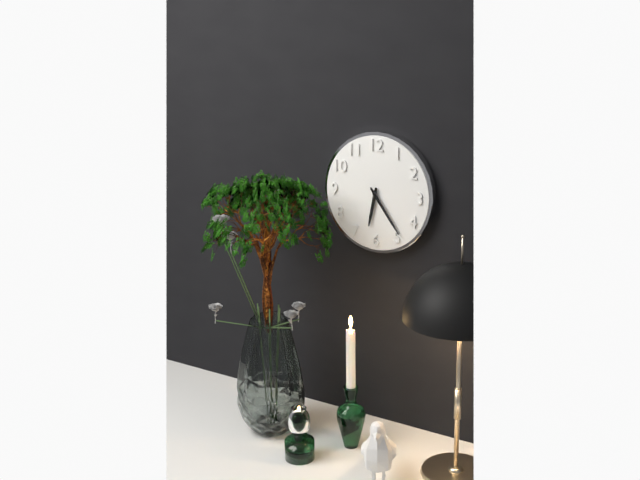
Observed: 6,24
